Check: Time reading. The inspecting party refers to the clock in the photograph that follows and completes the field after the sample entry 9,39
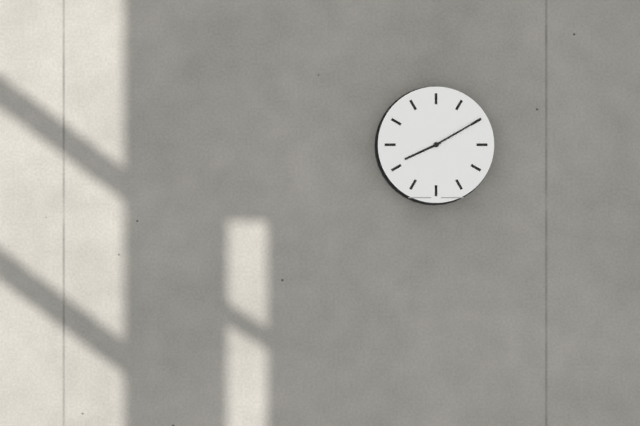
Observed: 8,10
